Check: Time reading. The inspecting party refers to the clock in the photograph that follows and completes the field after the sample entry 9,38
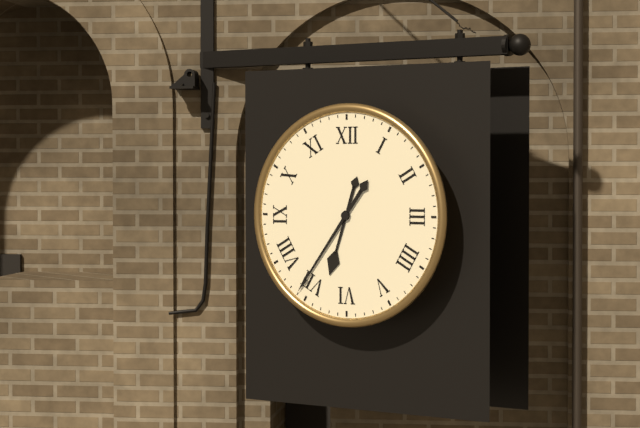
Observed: 6,36
